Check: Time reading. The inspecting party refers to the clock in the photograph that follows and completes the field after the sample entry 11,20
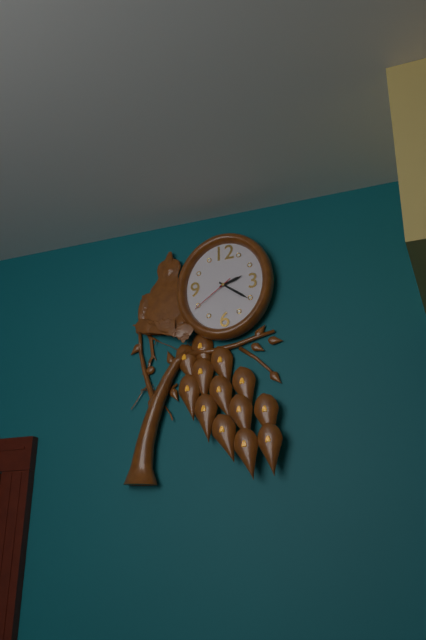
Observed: 2,21
